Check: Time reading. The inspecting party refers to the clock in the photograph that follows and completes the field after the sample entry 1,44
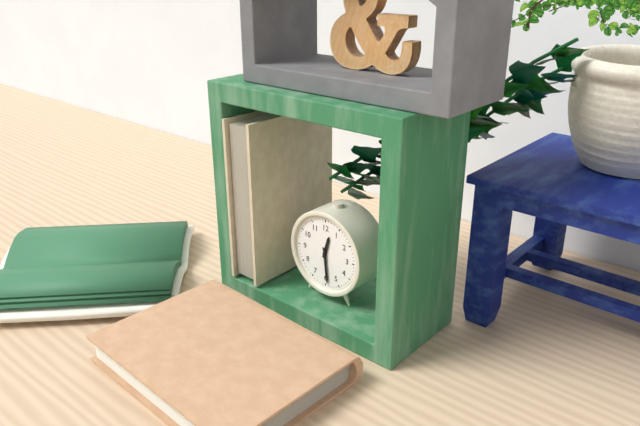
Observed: 12,29
